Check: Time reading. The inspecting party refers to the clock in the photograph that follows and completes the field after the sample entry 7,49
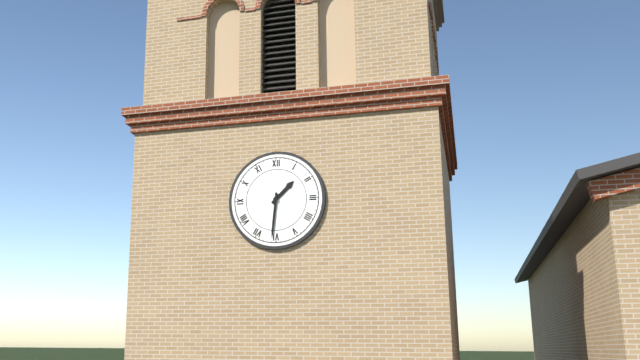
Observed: 1,31
